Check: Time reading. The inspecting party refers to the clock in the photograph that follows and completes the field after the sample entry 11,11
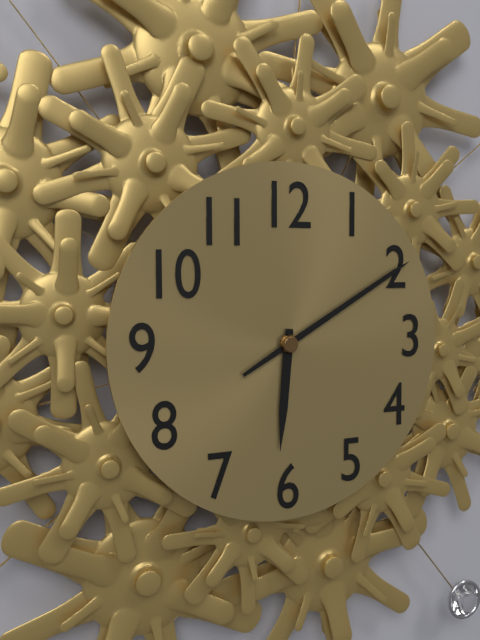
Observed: 6,10
